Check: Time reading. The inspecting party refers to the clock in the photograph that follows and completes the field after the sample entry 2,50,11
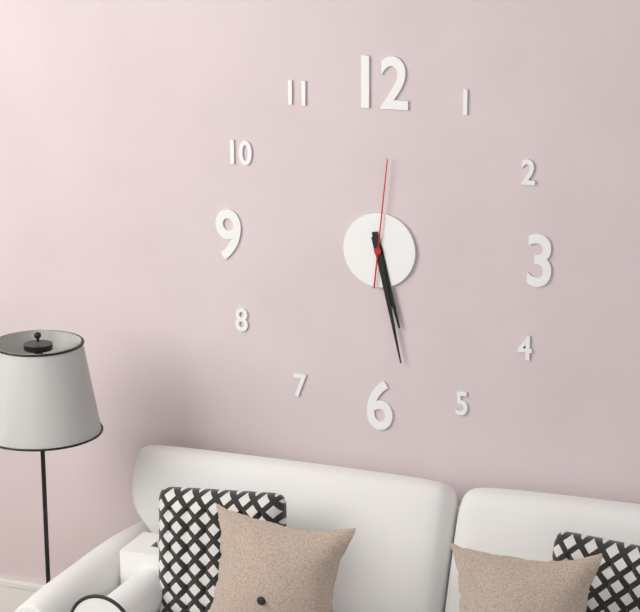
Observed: 5,28,01
